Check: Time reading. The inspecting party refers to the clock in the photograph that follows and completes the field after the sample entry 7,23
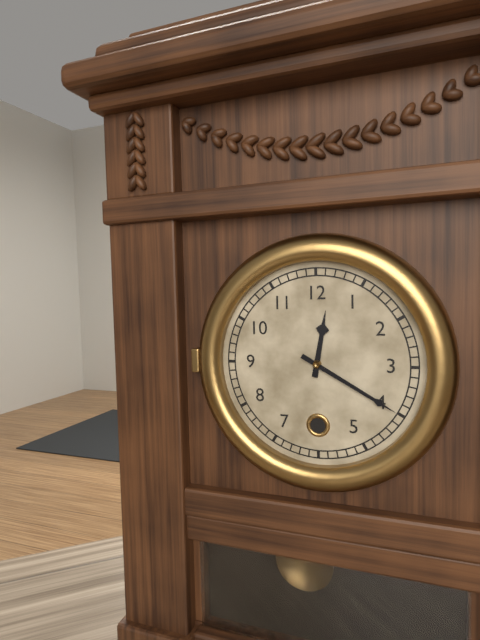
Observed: 12,20
